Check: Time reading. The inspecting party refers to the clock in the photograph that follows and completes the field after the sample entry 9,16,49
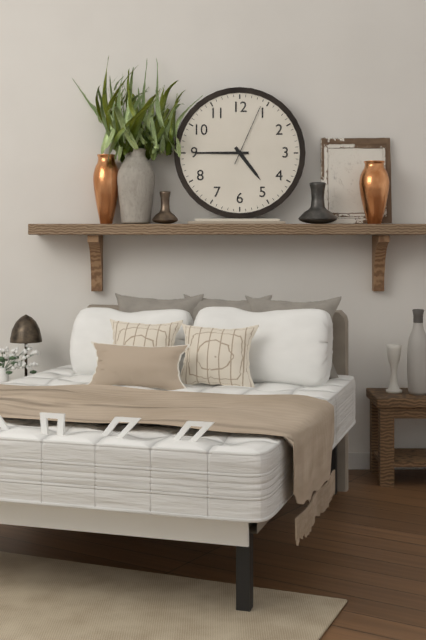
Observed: 4,45,04
